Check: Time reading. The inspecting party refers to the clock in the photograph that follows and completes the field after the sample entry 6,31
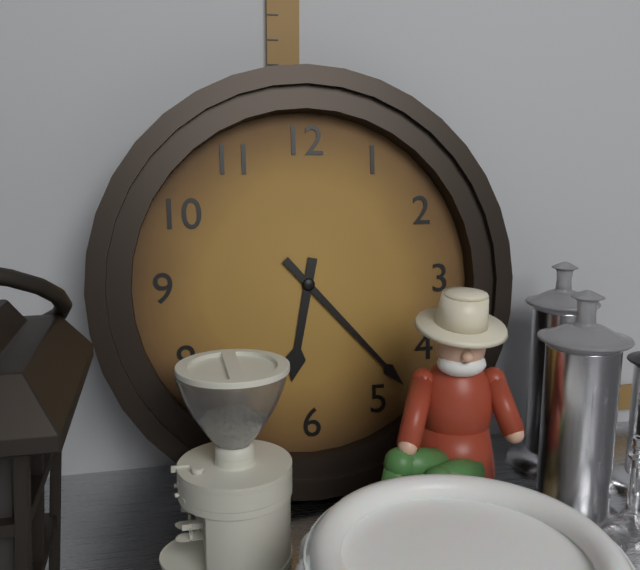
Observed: 6,23
